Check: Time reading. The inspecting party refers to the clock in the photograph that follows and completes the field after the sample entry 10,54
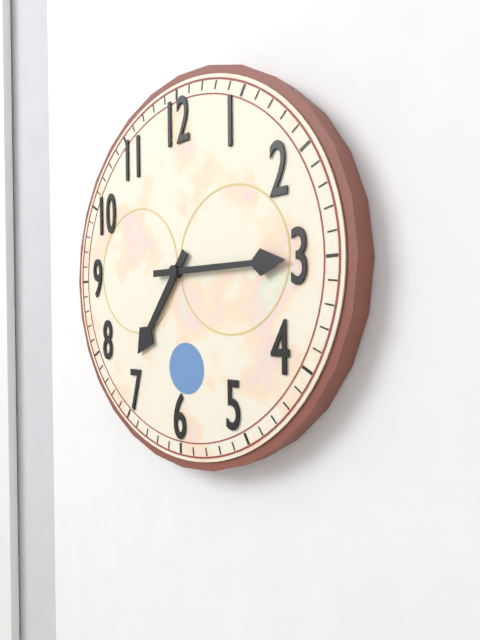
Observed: 7,15
